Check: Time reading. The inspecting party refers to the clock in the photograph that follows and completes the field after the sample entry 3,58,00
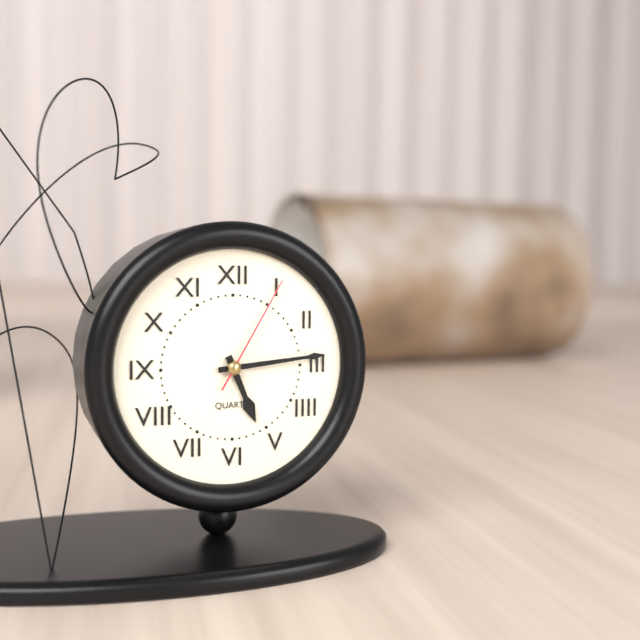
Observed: 5,14,05
